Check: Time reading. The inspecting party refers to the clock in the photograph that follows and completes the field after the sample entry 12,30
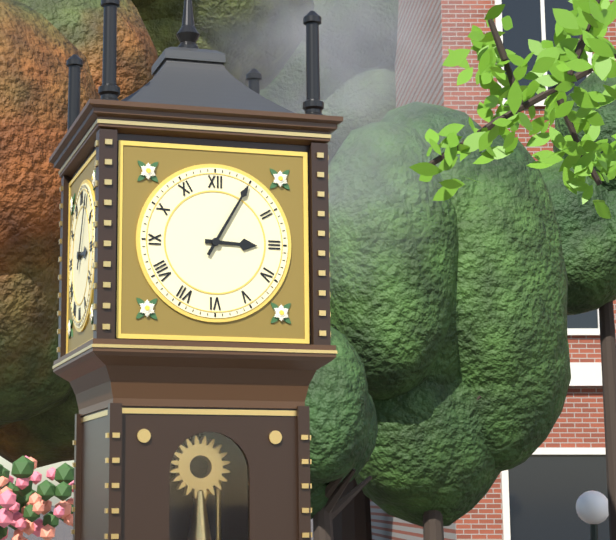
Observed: 3,05
